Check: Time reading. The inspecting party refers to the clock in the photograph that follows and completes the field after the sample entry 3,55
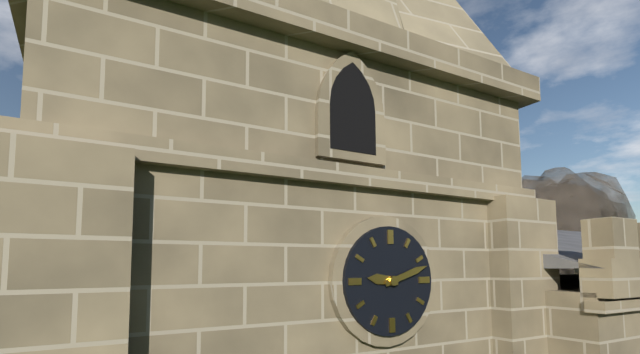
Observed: 9,12
